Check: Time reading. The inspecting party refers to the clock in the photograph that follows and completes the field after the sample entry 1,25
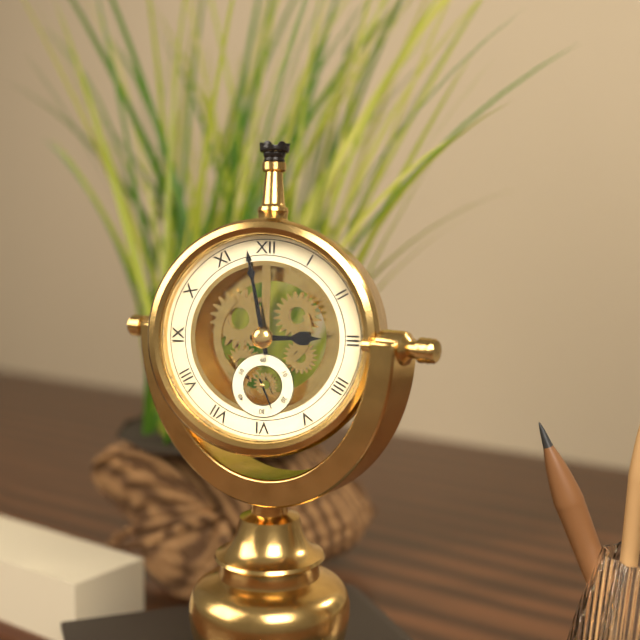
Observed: 2,58
